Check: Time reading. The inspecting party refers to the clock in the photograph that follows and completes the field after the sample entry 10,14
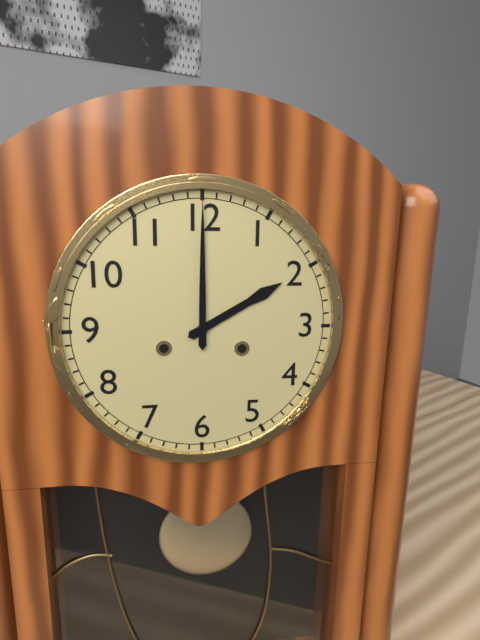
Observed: 2,00
